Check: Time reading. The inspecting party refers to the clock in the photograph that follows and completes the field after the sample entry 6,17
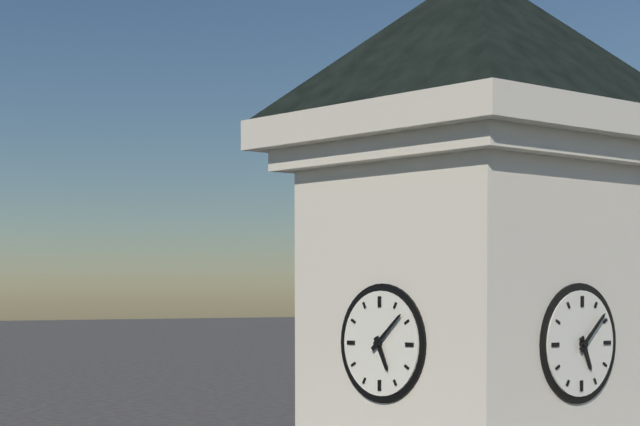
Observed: 5,08
